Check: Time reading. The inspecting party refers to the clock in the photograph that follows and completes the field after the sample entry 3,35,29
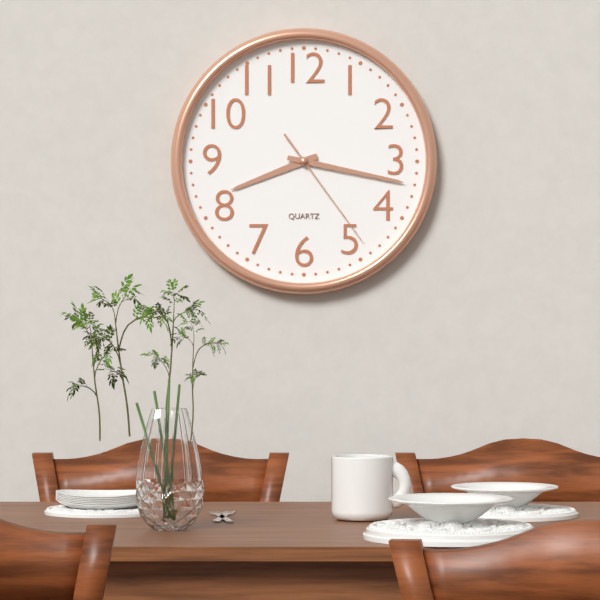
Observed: 8,17,24
